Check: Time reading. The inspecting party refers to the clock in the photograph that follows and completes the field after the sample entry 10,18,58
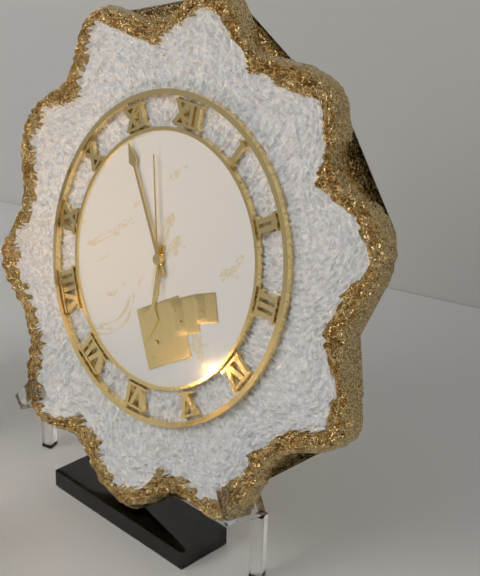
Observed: 5,54,57
